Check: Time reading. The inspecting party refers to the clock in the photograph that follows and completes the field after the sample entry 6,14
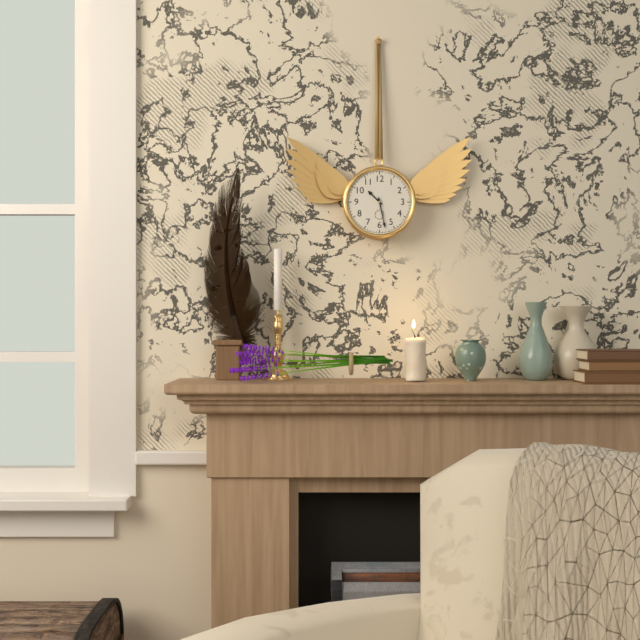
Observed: 10,28
